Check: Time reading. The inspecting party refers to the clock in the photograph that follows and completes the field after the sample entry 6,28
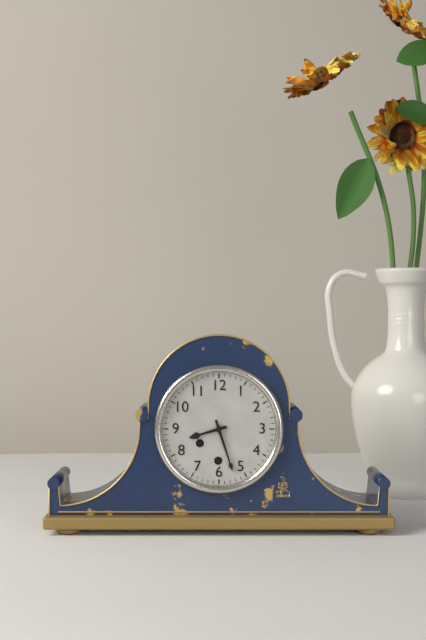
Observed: 8,27
